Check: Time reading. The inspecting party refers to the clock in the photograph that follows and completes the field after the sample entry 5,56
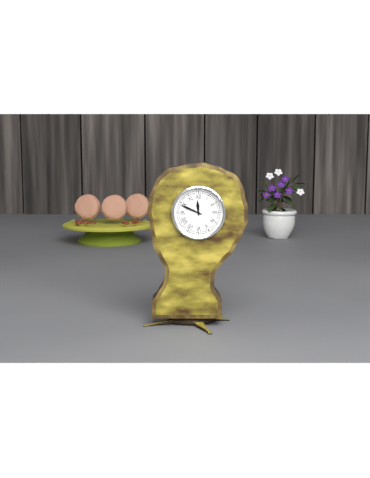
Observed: 11,49
